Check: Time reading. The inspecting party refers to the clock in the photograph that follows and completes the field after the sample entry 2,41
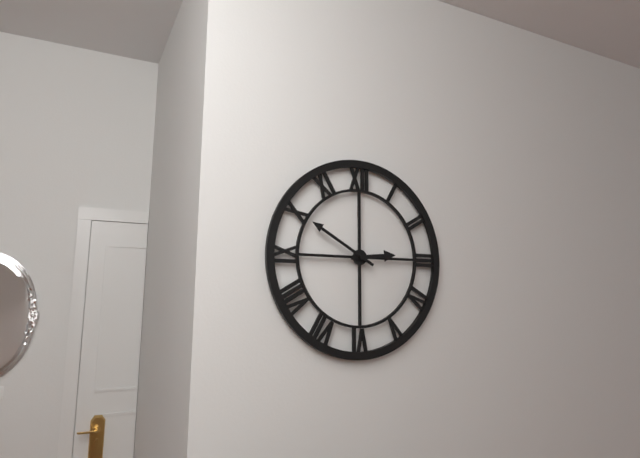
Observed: 2,50
